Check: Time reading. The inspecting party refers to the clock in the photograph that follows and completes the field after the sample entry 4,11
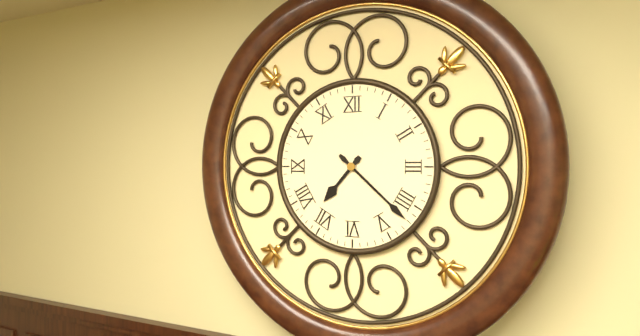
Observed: 7,22
